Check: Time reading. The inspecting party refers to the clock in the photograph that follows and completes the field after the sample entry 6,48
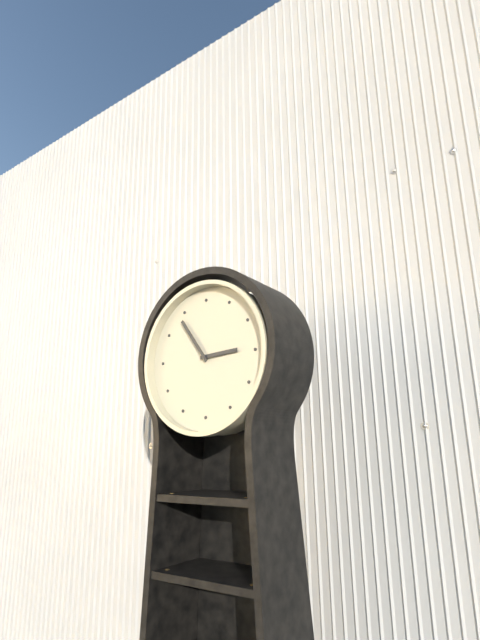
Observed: 2,54
